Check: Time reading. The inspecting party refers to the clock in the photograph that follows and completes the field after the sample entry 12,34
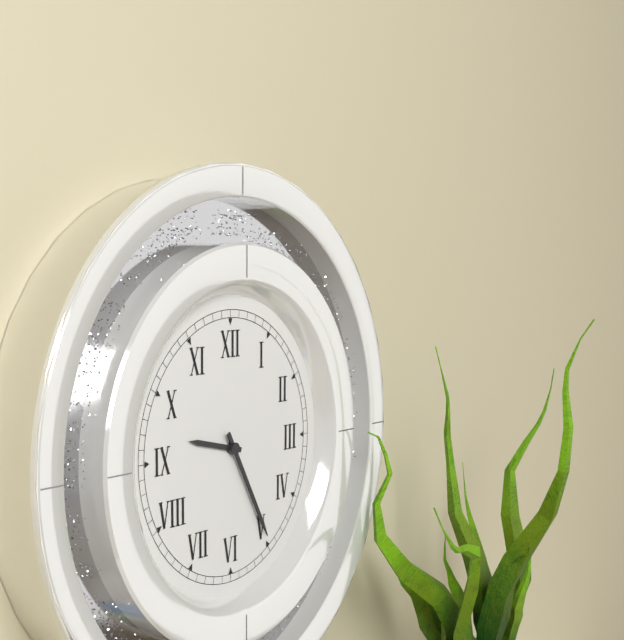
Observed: 9,25
